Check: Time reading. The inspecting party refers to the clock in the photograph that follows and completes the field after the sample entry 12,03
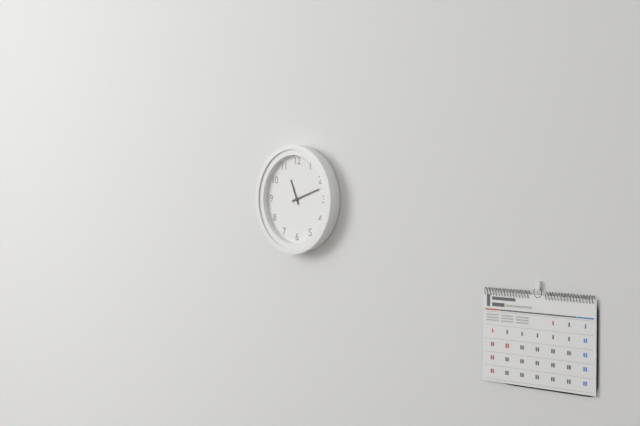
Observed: 11,12
